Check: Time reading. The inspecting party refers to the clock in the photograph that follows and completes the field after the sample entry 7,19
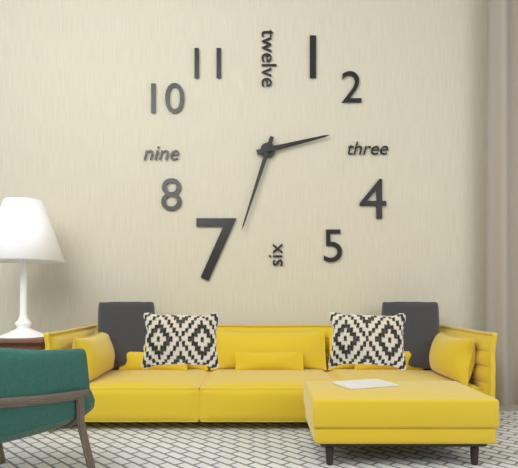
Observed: 2,33
